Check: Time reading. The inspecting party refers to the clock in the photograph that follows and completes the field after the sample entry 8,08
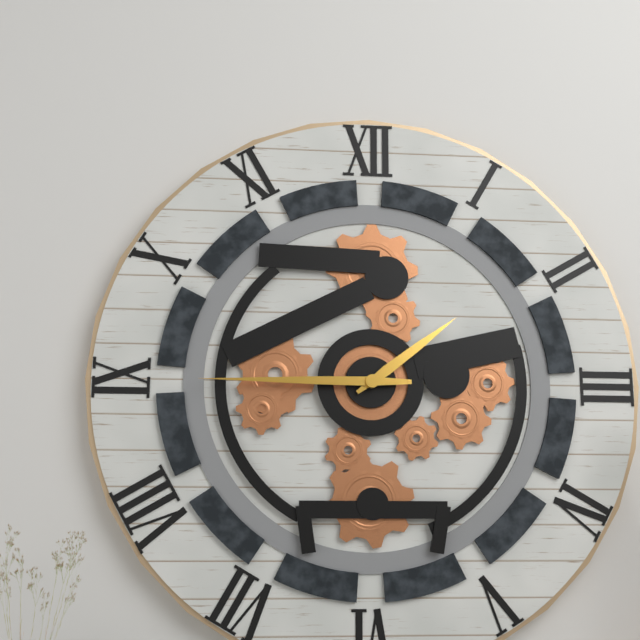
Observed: 1,45
